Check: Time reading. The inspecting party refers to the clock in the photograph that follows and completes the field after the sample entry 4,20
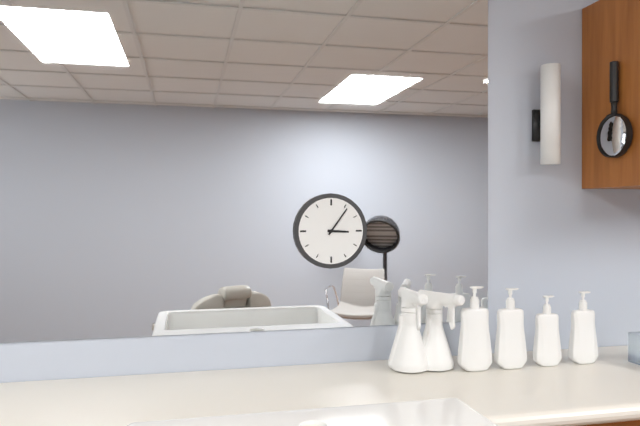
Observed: 3,06
